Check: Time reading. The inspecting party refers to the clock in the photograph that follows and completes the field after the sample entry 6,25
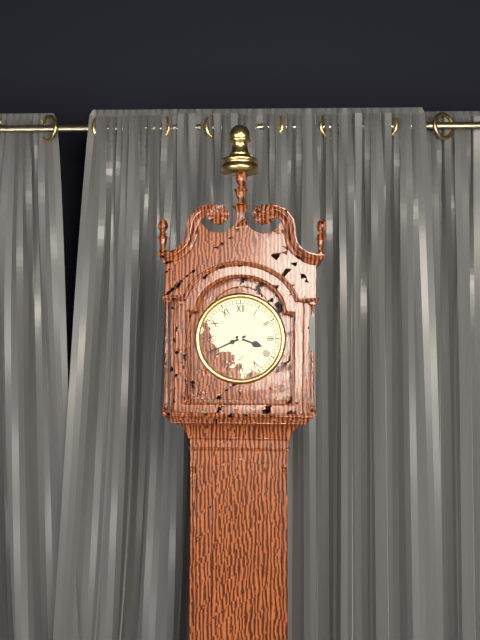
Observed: 3,41
